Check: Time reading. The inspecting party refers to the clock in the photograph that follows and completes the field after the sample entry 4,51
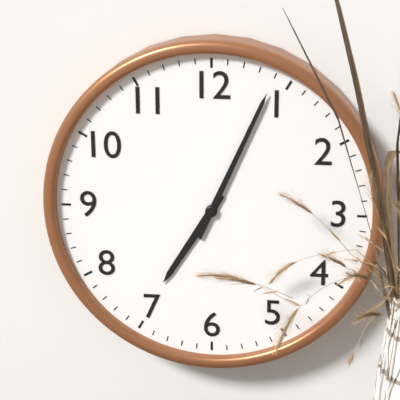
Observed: 7,04
